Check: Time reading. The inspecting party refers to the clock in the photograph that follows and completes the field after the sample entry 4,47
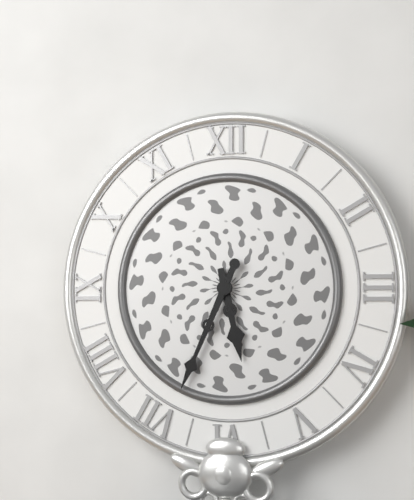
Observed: 5,34
